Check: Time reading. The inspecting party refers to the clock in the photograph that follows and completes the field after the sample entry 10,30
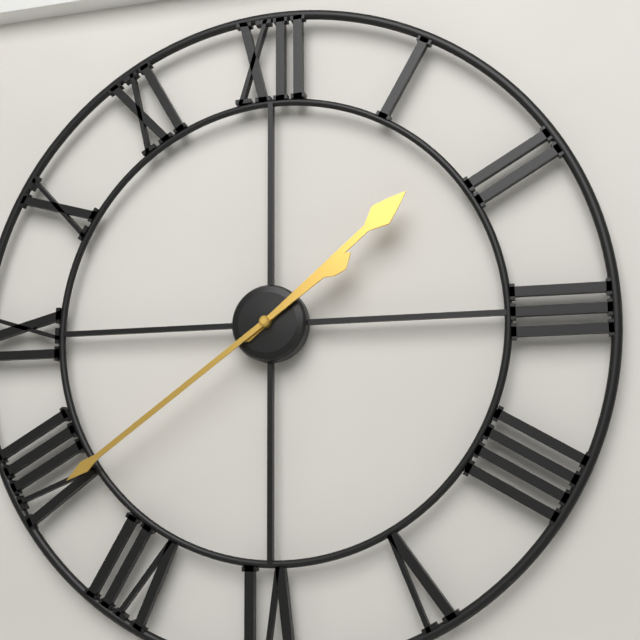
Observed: 1,39
